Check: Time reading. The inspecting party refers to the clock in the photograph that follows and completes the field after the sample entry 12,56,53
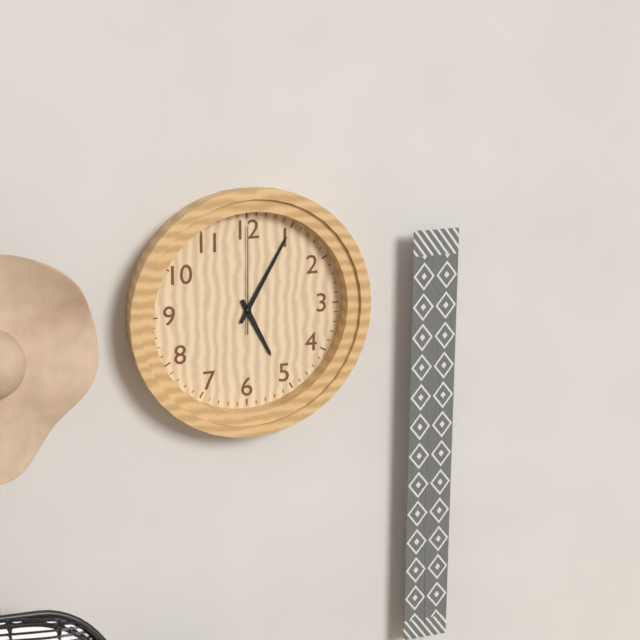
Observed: 5,05,00
